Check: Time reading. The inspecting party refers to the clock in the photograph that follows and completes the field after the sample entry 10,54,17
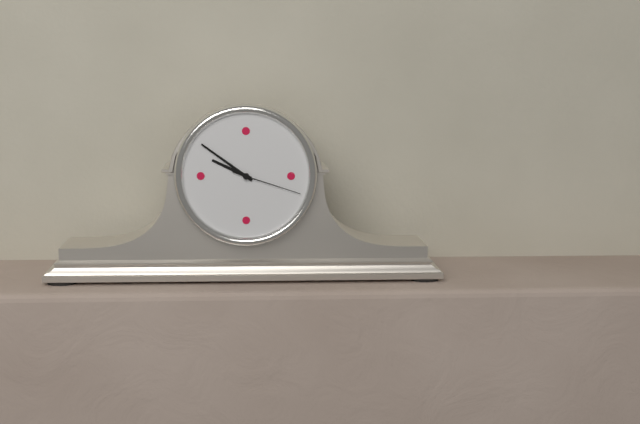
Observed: 9,51,18
